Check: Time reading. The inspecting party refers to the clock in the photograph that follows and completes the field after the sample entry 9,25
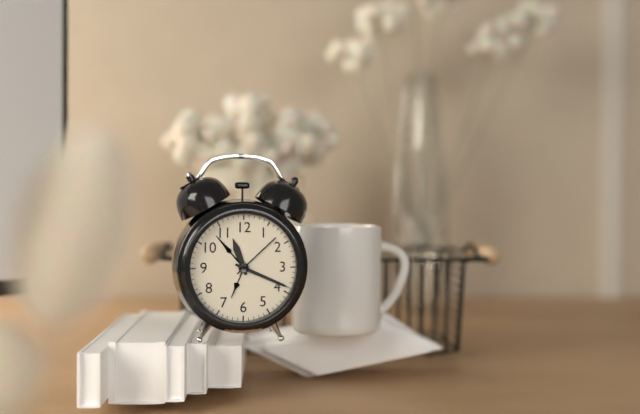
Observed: 11,19
